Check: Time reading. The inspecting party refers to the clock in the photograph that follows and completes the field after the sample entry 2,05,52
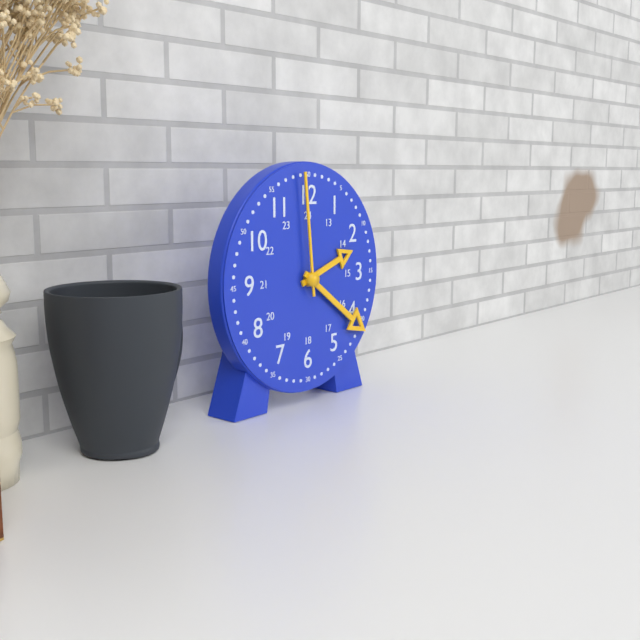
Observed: 2,21,59
